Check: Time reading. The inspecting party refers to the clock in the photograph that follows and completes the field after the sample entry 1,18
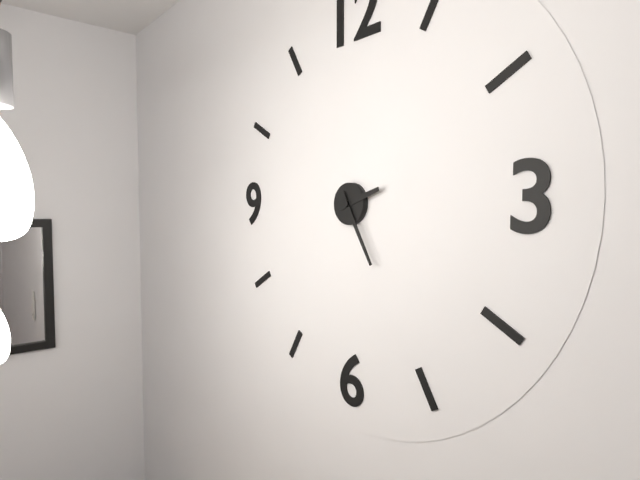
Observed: 2,25
